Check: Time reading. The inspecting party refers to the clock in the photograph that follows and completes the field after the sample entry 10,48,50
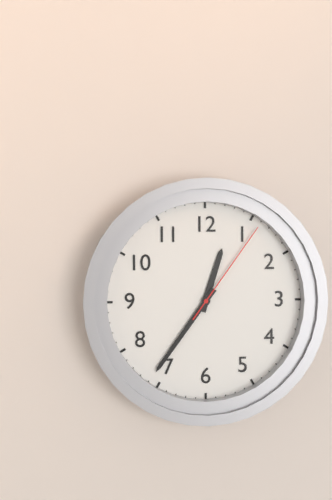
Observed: 12,36,06
